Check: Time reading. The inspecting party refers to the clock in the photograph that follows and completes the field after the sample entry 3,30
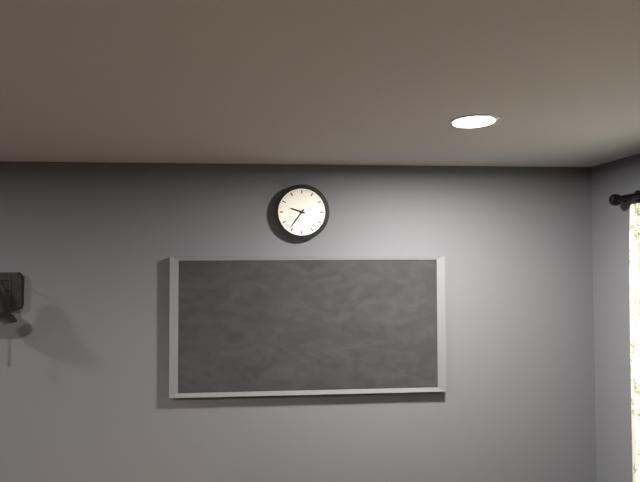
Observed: 9,36
